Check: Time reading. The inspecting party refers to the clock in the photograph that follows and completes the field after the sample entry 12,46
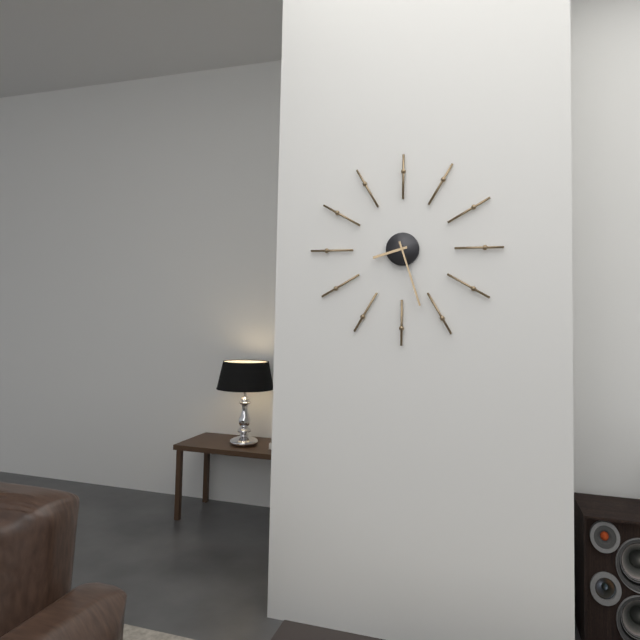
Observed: 8,27
